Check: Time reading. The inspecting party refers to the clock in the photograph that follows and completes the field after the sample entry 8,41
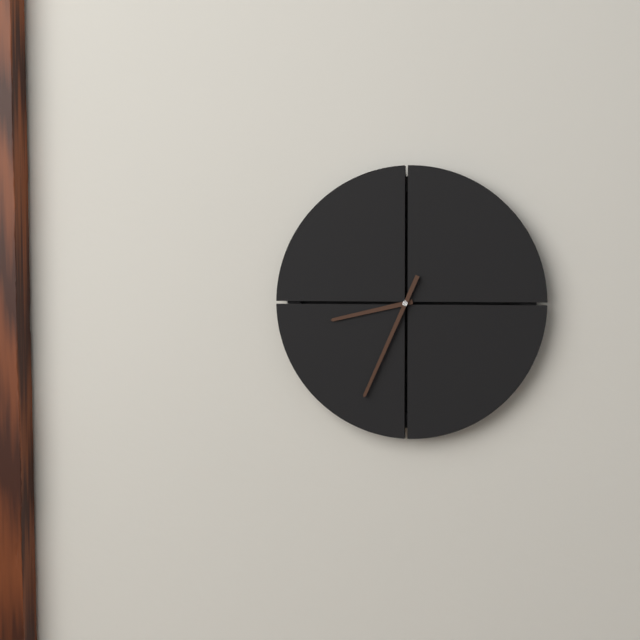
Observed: 8,34
